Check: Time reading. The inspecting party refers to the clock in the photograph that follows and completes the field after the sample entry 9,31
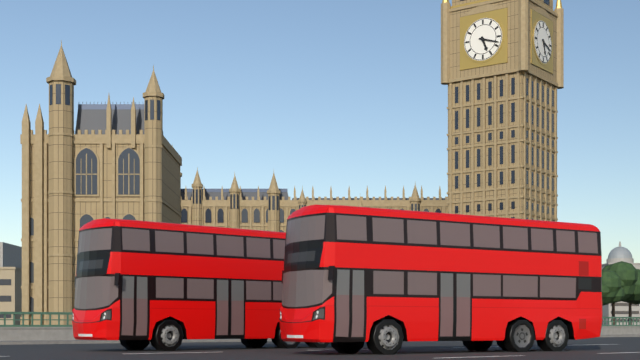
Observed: 5,18
